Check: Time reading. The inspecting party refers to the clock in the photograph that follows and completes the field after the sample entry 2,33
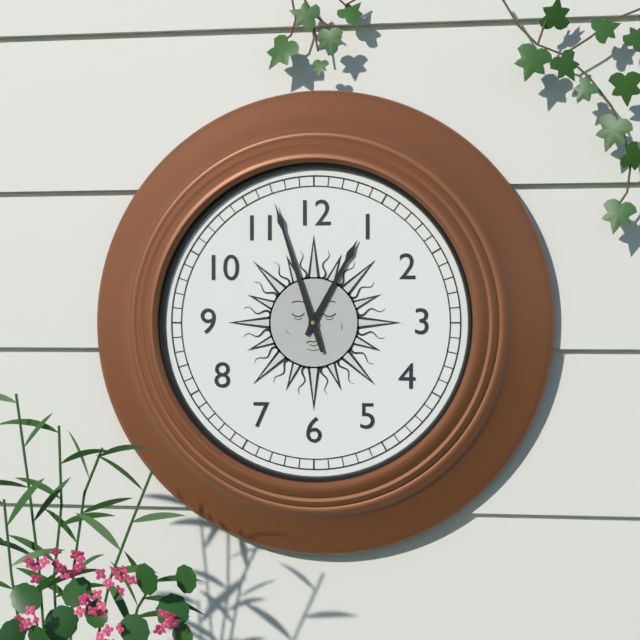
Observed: 12,57
